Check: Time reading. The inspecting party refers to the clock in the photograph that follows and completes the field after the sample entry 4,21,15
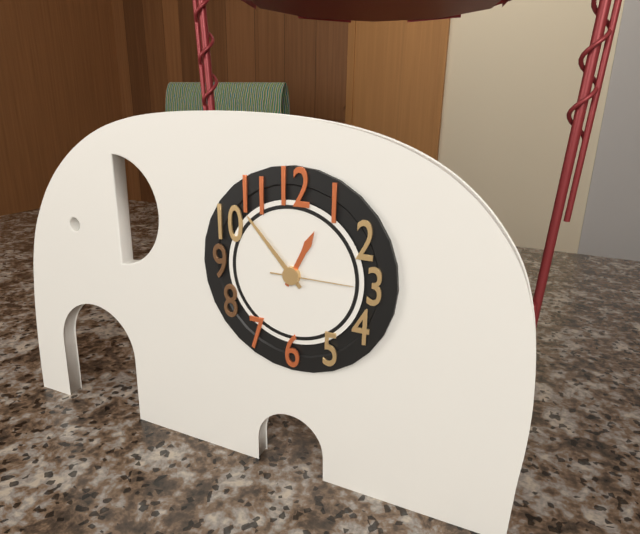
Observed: 12,53,15
